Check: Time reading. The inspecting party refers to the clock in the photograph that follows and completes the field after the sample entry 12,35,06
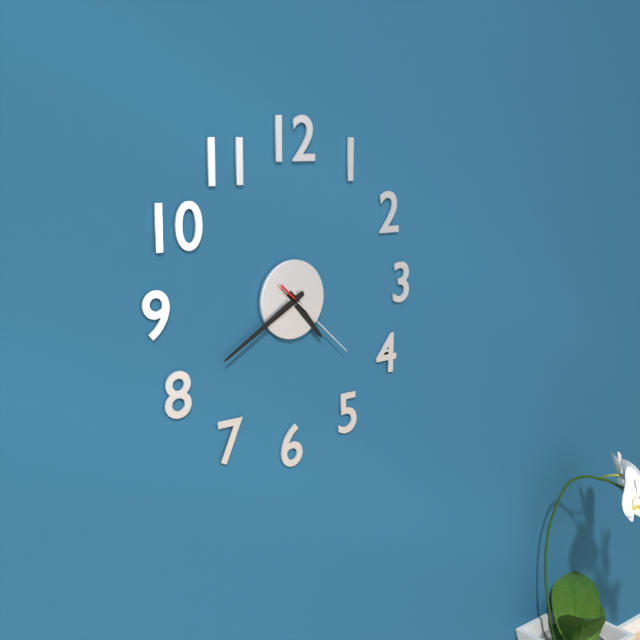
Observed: 4,40,22
